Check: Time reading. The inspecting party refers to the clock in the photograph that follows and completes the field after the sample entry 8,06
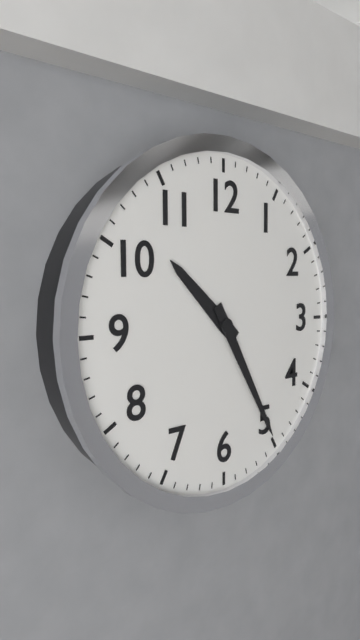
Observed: 10,25
